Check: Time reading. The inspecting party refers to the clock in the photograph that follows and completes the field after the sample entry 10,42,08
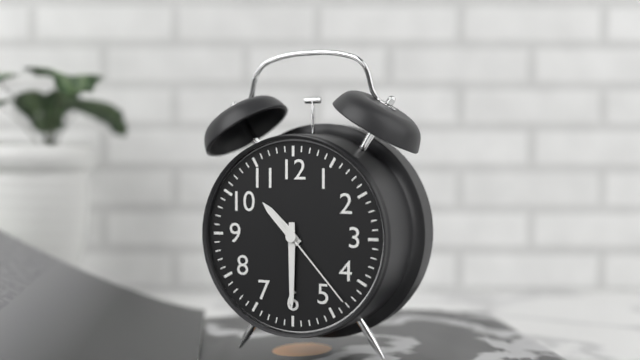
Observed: 10,30,23
